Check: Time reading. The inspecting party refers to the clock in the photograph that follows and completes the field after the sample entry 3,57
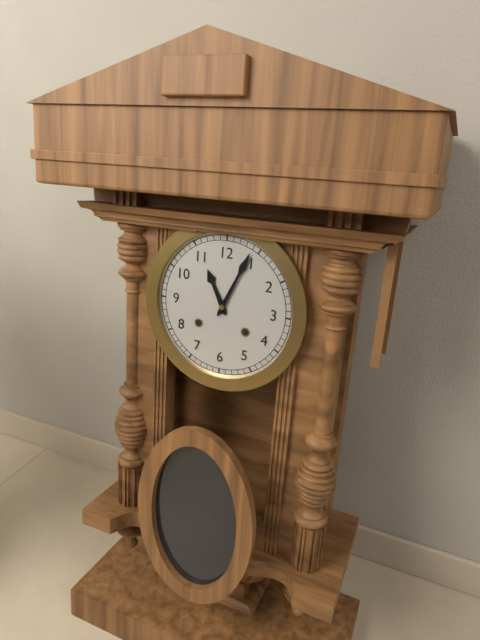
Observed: 11,04
